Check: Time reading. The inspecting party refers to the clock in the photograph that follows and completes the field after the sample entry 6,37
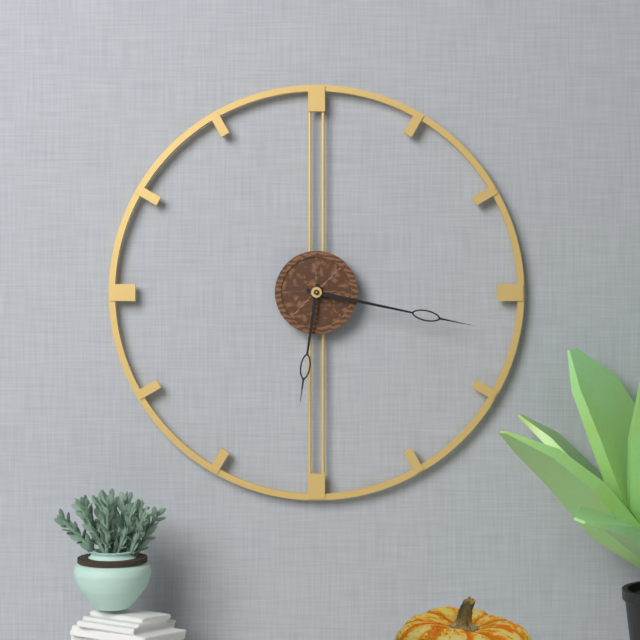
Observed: 6,17
